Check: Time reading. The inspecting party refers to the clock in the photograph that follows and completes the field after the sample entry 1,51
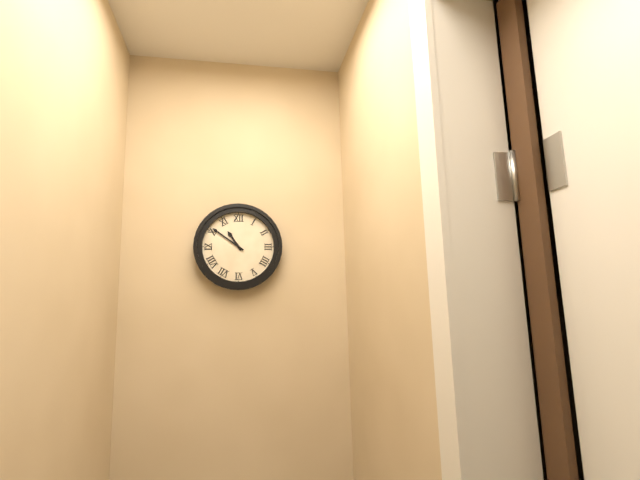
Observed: 10,51
